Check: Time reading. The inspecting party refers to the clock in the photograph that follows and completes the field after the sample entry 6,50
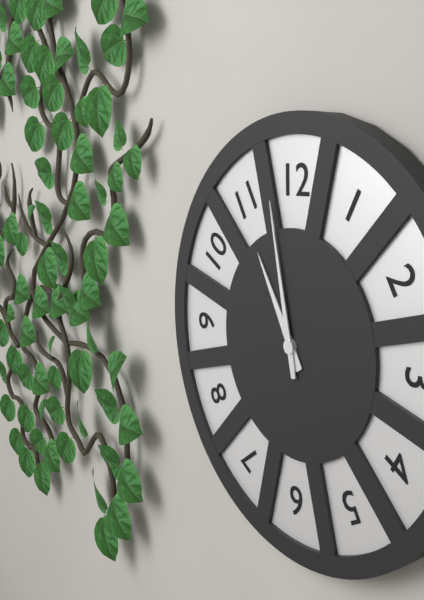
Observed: 10,58
